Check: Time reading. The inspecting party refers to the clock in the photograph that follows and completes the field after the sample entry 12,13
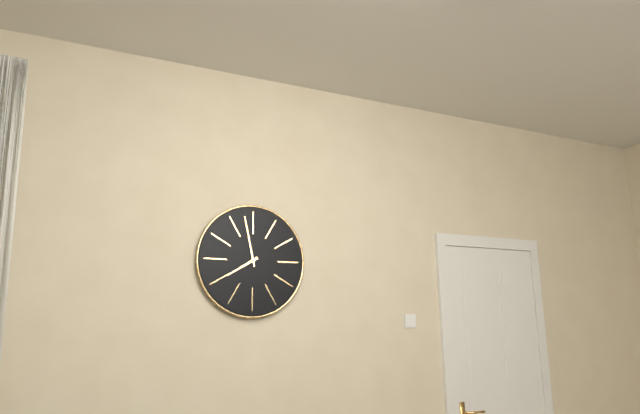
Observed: 7,58
